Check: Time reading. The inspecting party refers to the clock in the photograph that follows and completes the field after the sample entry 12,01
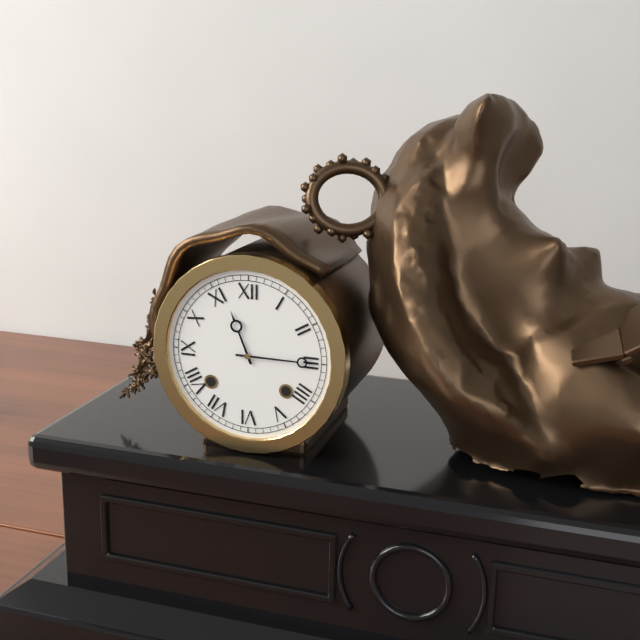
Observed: 11,15
